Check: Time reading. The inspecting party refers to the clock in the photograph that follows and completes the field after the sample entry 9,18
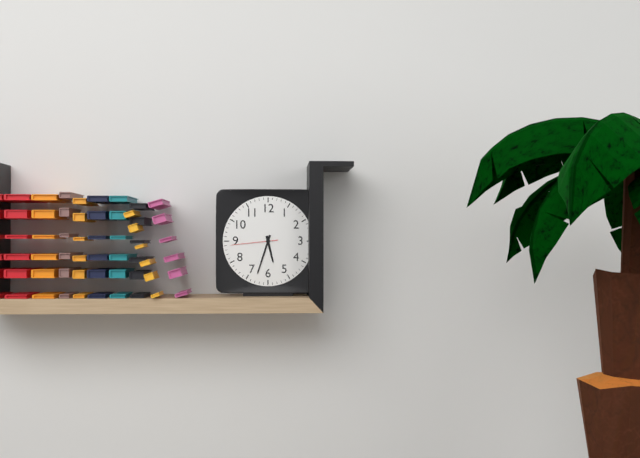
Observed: 5,33
